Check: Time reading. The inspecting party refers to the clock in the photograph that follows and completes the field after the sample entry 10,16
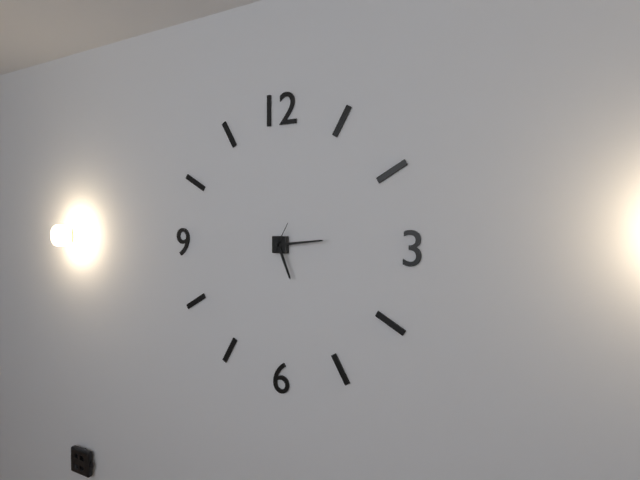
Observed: 5,14
